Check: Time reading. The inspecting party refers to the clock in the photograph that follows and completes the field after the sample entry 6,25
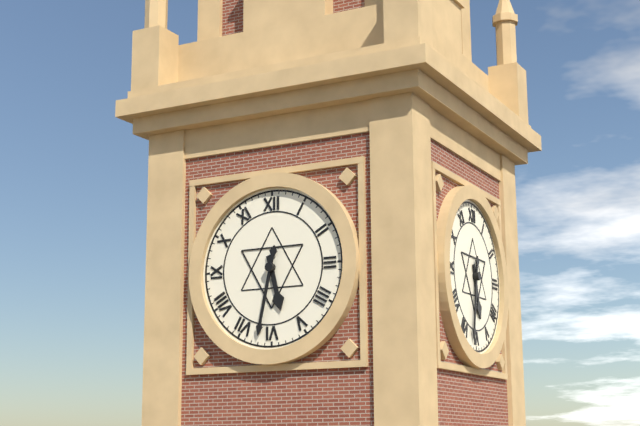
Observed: 5,32
